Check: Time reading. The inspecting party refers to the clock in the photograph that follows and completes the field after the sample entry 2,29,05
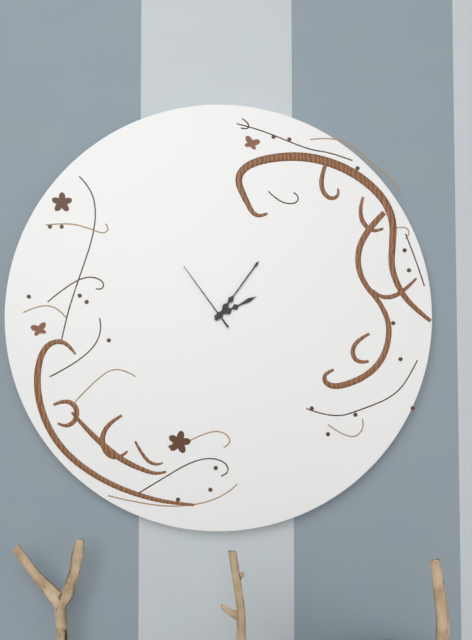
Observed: 2,06,54
